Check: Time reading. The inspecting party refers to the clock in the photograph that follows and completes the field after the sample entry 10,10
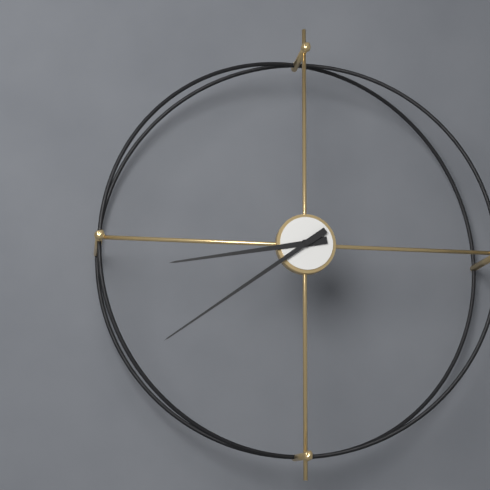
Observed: 8,39
